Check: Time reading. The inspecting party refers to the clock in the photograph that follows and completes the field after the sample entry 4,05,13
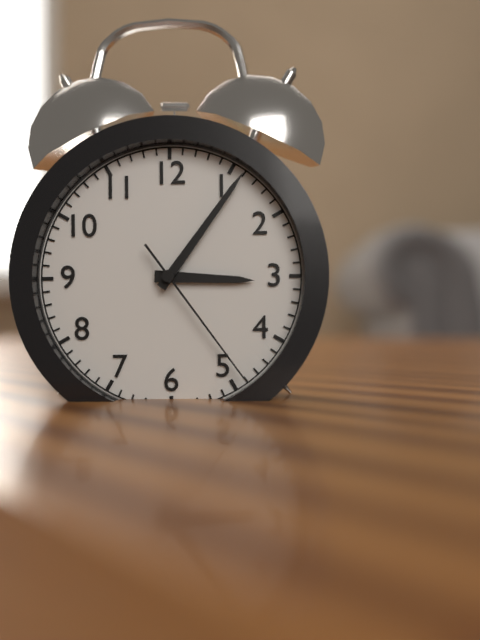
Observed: 3,06,24
